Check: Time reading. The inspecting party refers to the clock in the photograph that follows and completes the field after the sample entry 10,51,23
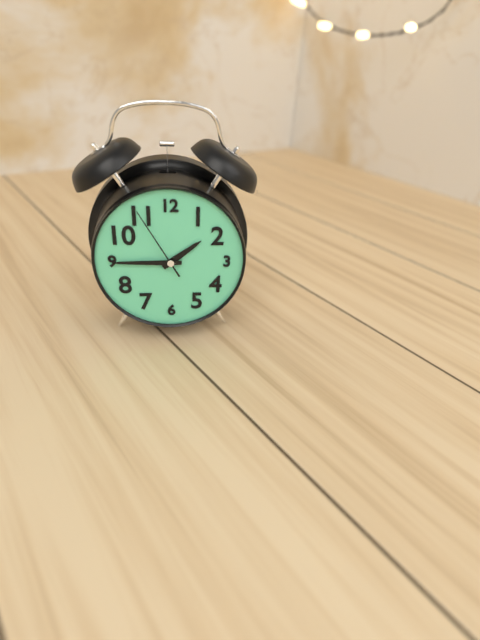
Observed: 1,45,55
